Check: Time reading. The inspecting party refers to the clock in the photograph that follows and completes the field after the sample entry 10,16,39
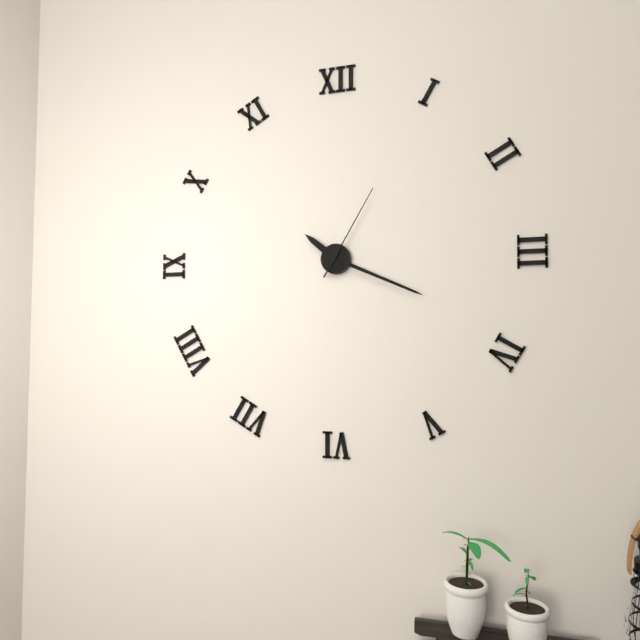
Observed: 10,19,05
